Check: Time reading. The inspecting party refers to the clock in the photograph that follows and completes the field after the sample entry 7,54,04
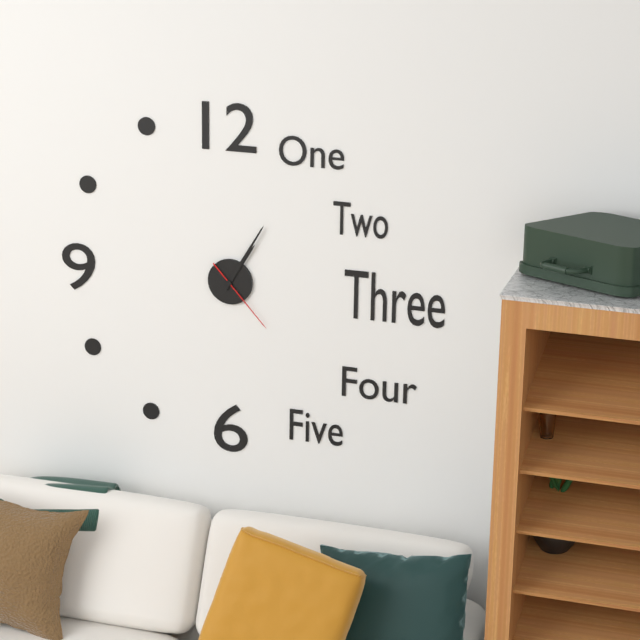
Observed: 1,05,23
